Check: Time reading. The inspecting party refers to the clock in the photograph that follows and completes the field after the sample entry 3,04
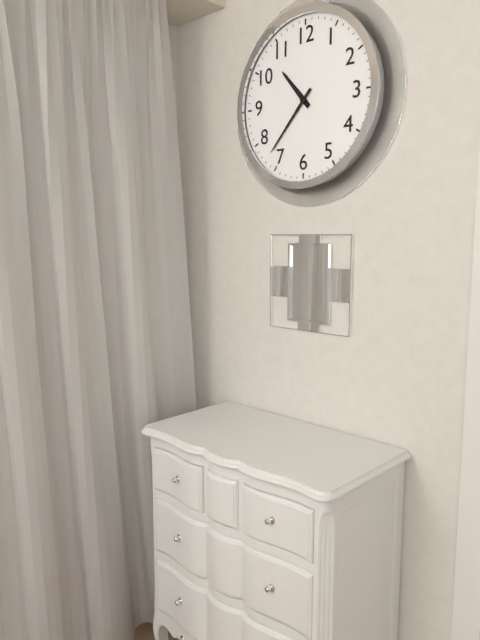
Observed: 10,37
